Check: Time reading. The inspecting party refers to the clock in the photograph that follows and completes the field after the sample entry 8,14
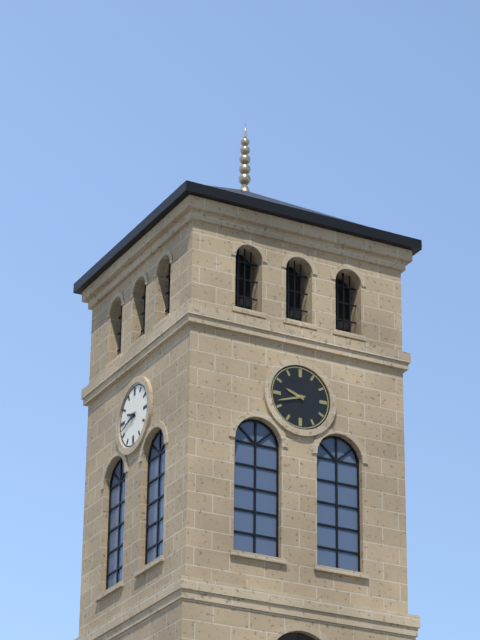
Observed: 9,42
